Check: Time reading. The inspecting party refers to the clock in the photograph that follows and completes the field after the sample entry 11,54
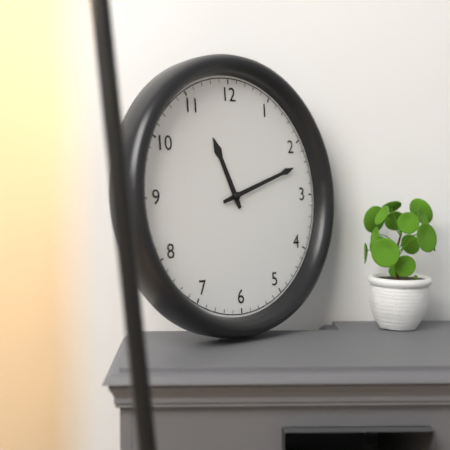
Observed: 11,12
